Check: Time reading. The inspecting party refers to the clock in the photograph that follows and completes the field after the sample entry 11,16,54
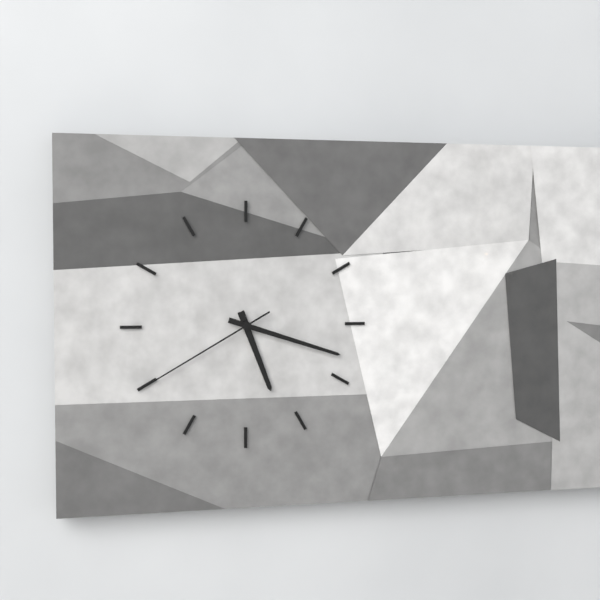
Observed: 5,18,40
